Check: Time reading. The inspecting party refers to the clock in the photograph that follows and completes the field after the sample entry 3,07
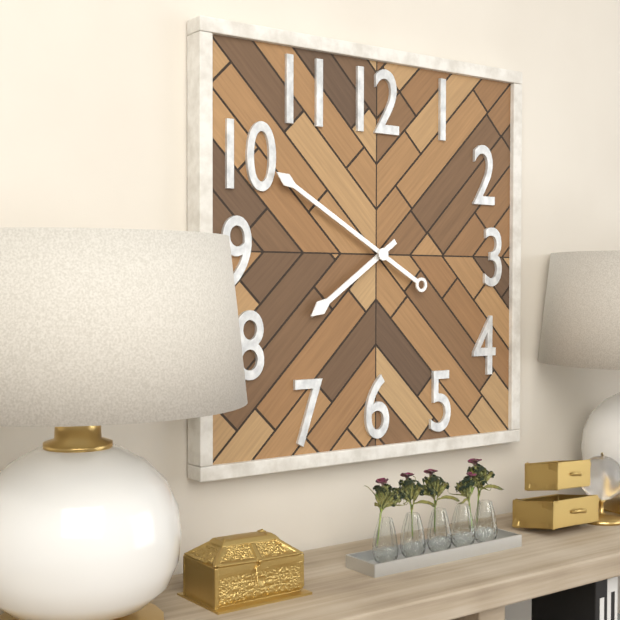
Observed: 7,50
